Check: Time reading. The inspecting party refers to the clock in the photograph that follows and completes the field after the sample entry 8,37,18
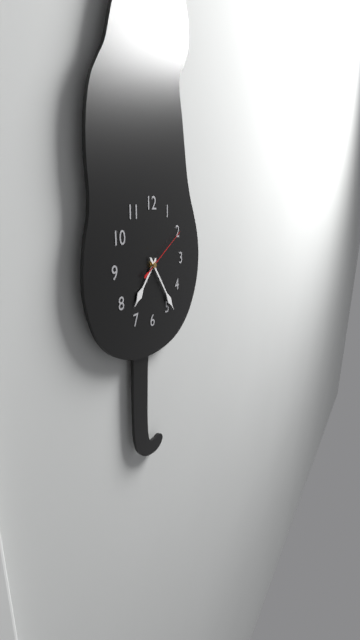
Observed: 7,24,10
